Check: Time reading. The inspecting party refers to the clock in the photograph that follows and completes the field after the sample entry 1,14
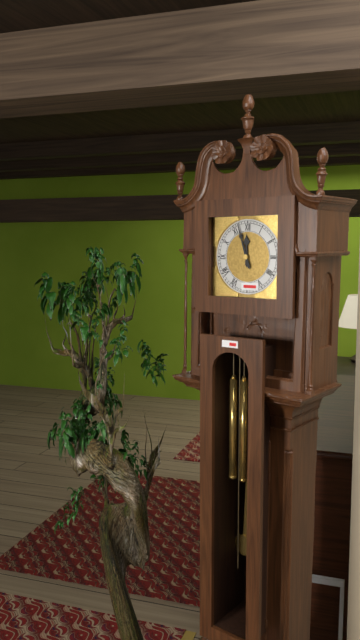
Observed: 11,57
